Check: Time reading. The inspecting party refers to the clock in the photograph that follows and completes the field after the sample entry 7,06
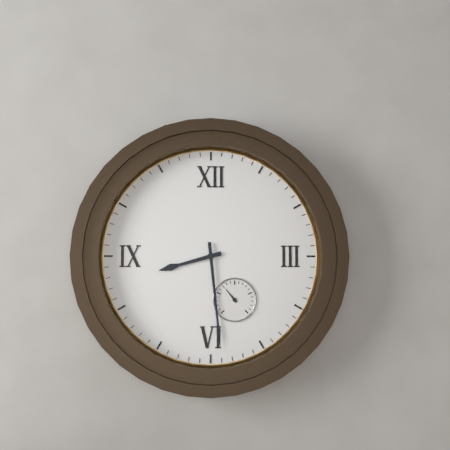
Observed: 8,29
